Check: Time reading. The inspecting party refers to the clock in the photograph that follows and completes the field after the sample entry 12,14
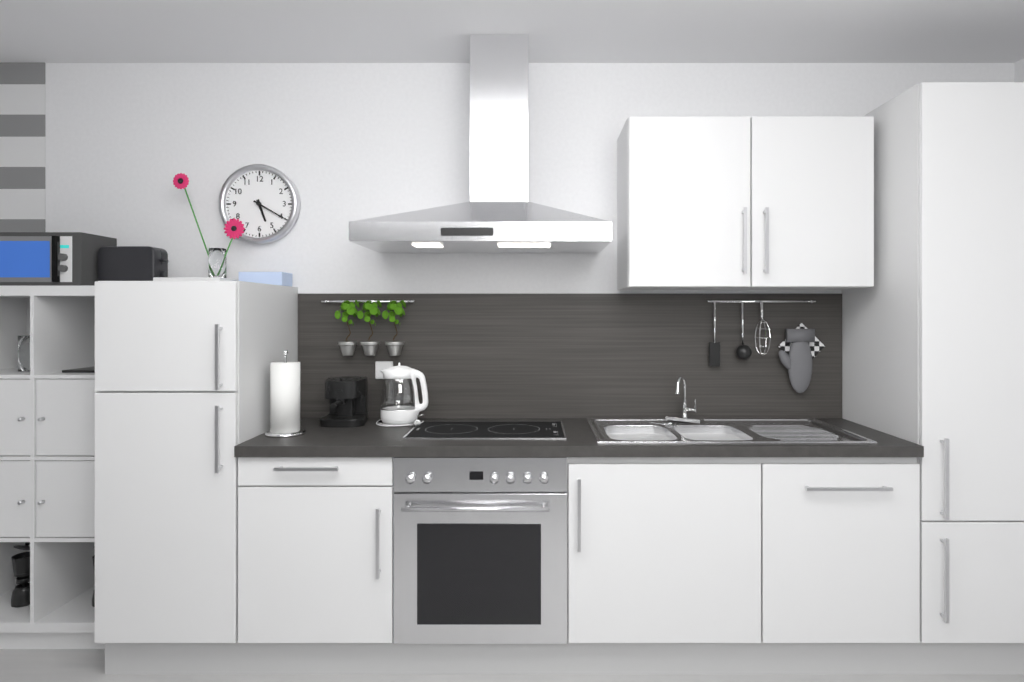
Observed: 5,20
